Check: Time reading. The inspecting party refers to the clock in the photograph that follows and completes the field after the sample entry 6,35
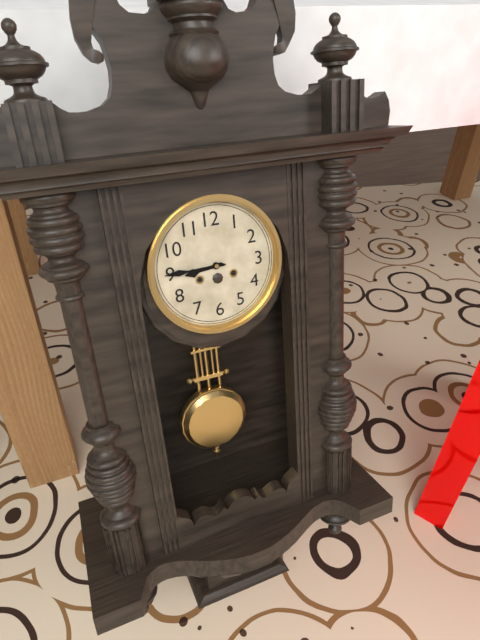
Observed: 8,45
